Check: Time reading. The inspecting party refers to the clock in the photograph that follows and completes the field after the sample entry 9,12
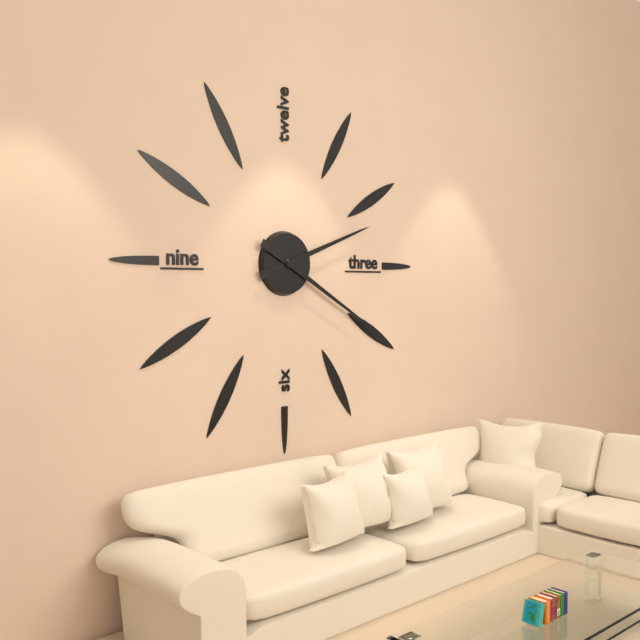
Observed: 2,20
